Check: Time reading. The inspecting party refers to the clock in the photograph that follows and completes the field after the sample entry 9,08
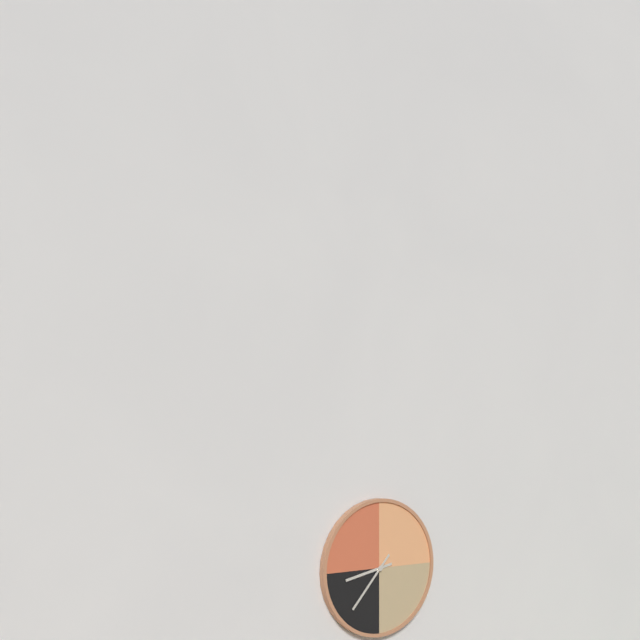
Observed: 8,37
